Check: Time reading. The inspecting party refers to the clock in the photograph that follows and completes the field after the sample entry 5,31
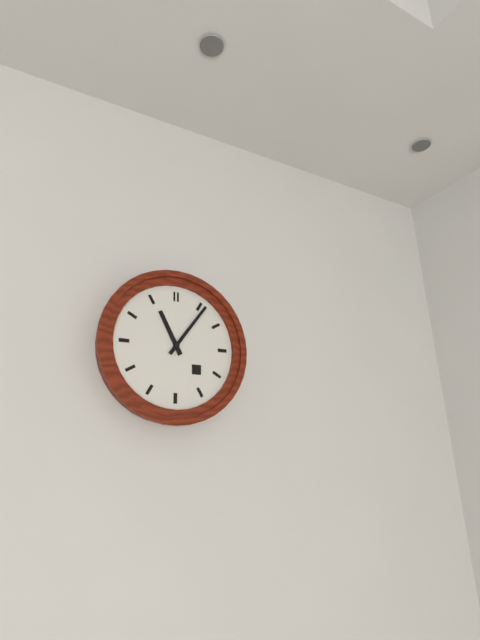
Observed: 11,06
